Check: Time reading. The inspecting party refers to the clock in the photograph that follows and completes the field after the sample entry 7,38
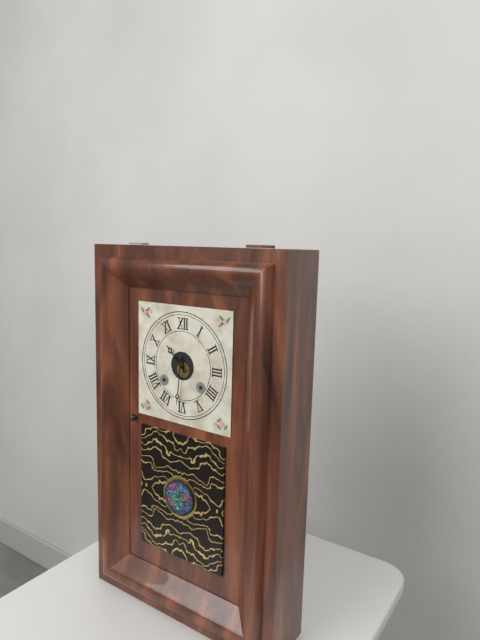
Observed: 10,31
